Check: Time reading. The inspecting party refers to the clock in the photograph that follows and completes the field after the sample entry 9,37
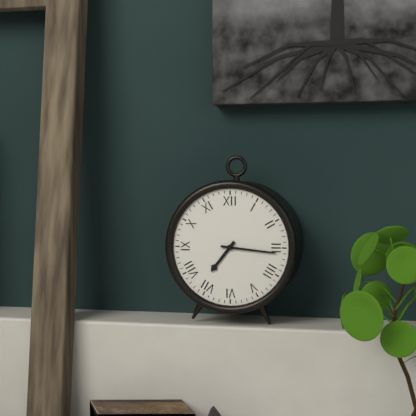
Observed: 7,16
